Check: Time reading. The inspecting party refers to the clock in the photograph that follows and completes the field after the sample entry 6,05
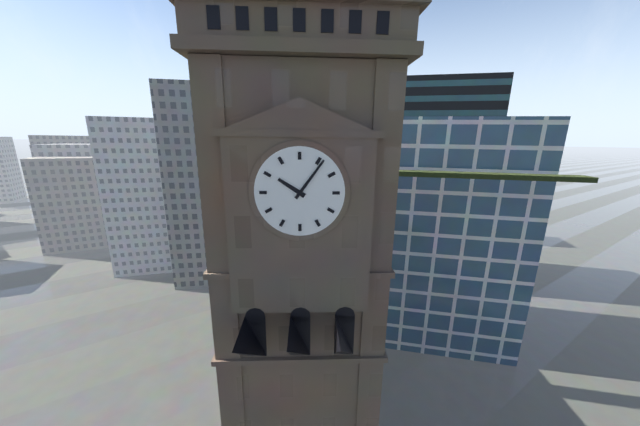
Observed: 10,06
